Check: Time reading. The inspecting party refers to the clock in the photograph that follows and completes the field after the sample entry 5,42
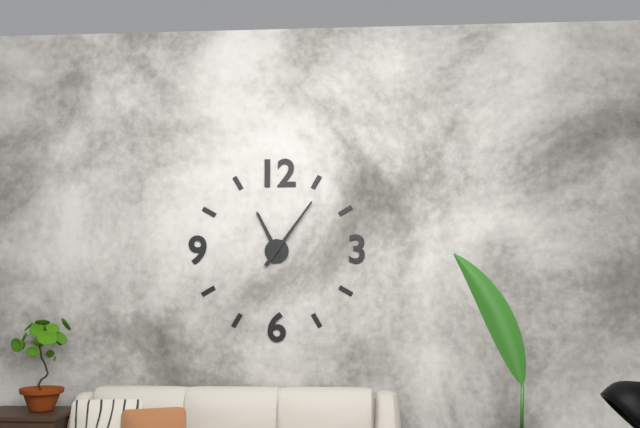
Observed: 11,06
